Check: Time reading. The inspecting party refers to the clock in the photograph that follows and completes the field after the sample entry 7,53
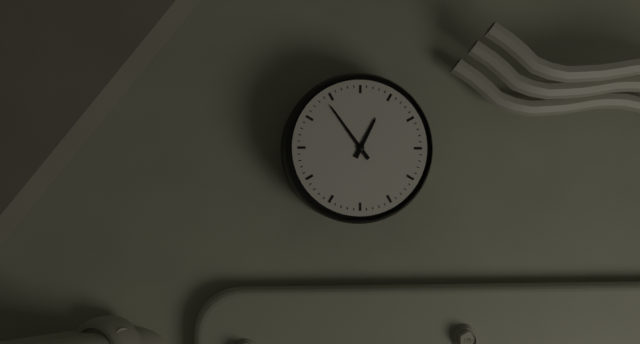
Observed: 12,54
